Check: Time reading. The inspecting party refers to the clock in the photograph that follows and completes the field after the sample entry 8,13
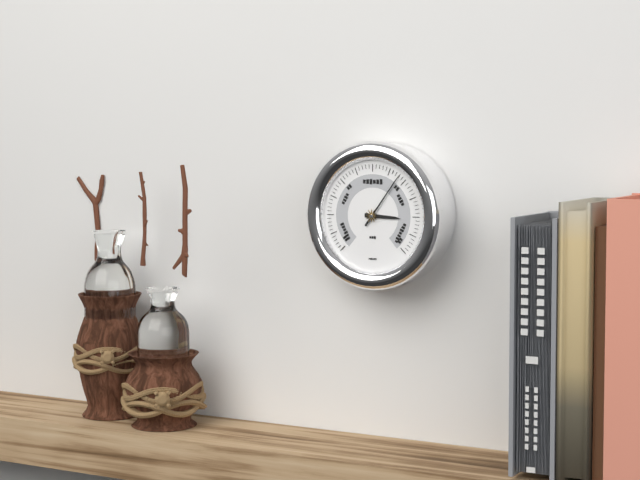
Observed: 3,06
